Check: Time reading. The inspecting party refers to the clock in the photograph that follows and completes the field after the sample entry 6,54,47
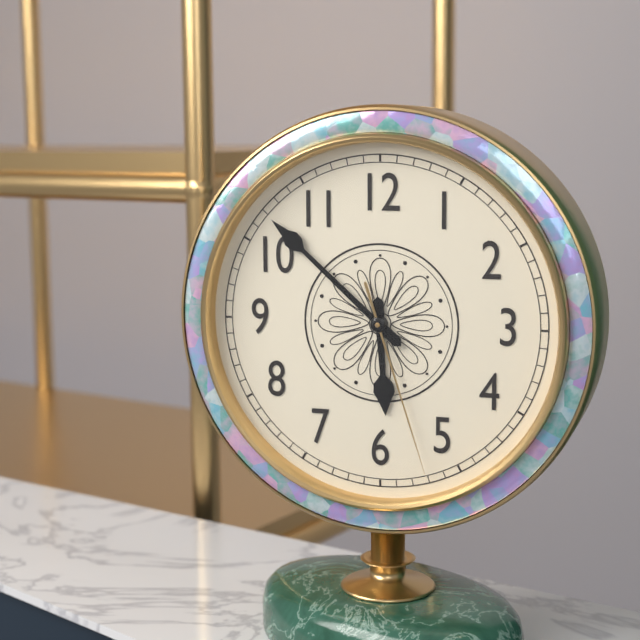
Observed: 5,52,27
